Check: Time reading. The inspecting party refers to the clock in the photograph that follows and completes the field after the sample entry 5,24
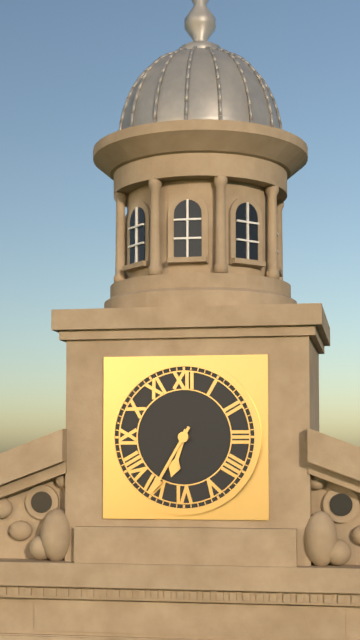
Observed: 6,35
